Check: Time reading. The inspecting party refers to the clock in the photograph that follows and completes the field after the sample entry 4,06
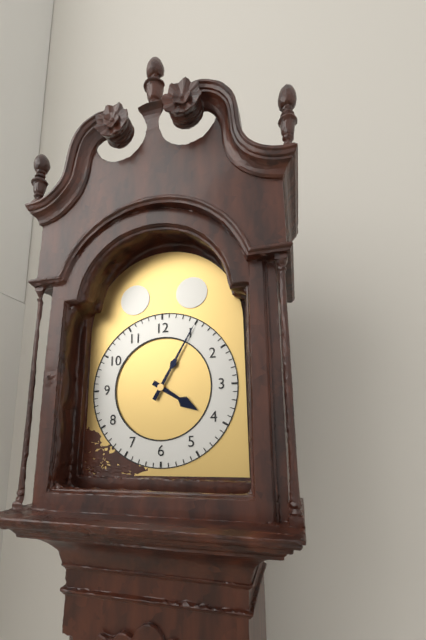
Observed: 4,05
